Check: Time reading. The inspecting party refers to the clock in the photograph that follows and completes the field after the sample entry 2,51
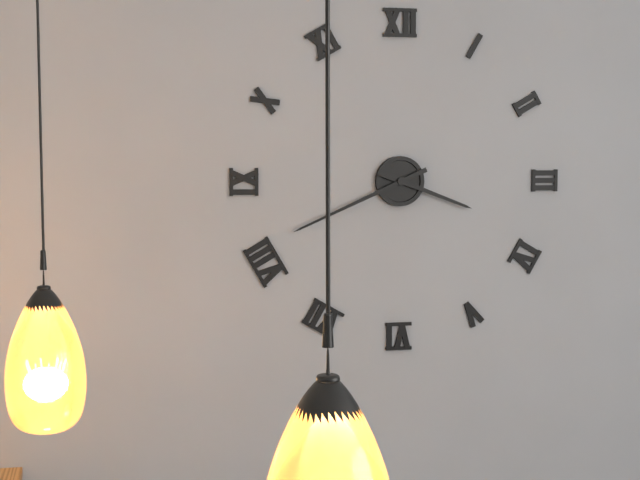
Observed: 3,41
